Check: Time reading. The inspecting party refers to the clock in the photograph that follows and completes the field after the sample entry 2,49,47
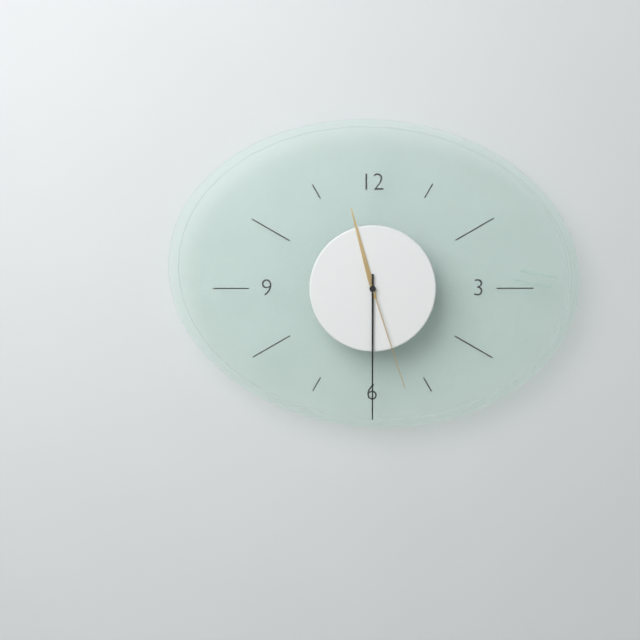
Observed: 11,30,27
